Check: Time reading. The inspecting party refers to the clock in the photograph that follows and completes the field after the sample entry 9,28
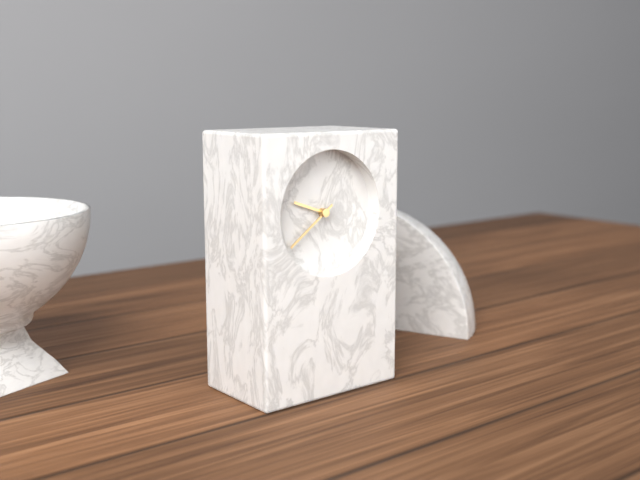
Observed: 9,39
